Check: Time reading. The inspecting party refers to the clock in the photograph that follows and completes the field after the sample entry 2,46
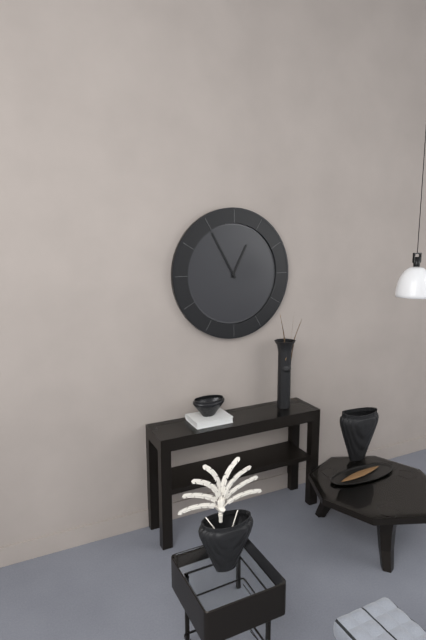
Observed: 12,55
